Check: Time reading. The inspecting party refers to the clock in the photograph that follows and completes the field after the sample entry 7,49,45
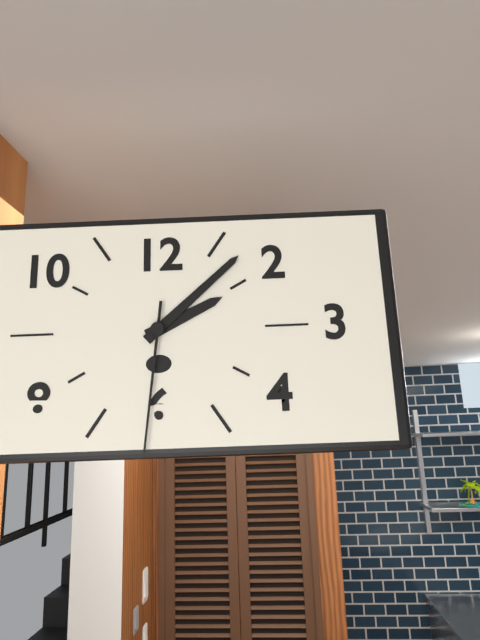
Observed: 2,08,31
